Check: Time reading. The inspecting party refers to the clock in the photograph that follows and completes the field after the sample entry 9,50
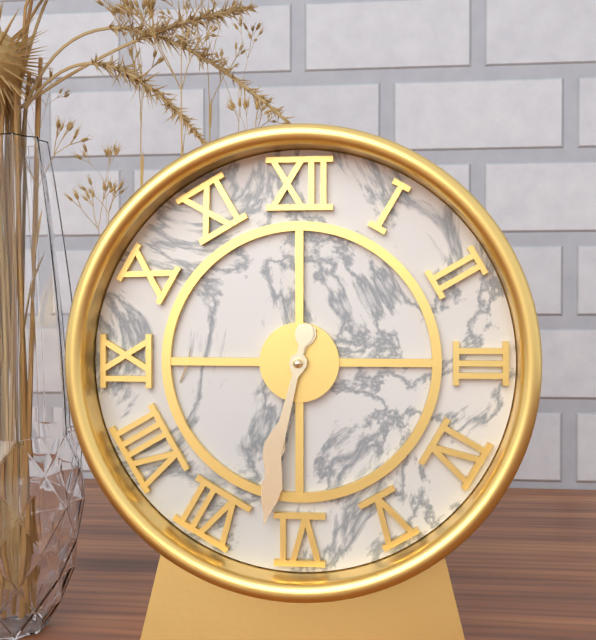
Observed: 6,32
